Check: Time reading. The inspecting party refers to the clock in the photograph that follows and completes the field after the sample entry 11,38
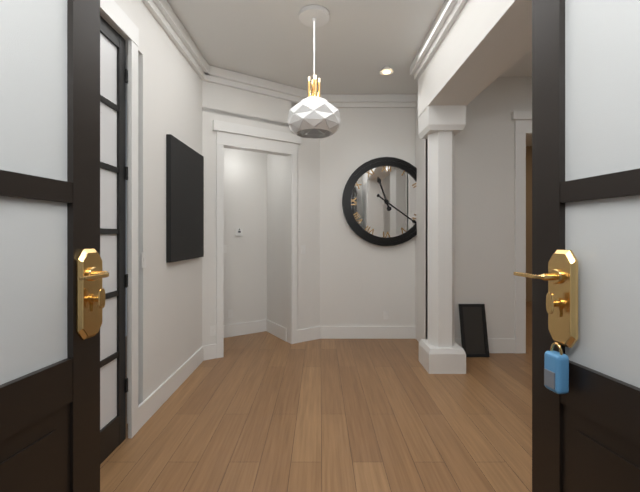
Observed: 11,21
